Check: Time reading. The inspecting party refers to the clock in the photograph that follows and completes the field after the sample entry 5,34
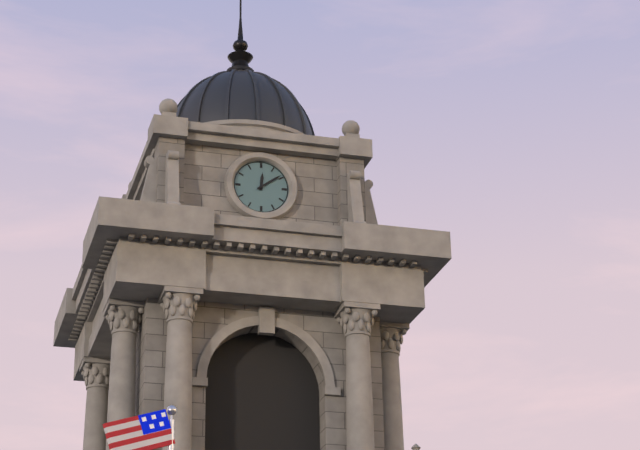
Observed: 12,09
